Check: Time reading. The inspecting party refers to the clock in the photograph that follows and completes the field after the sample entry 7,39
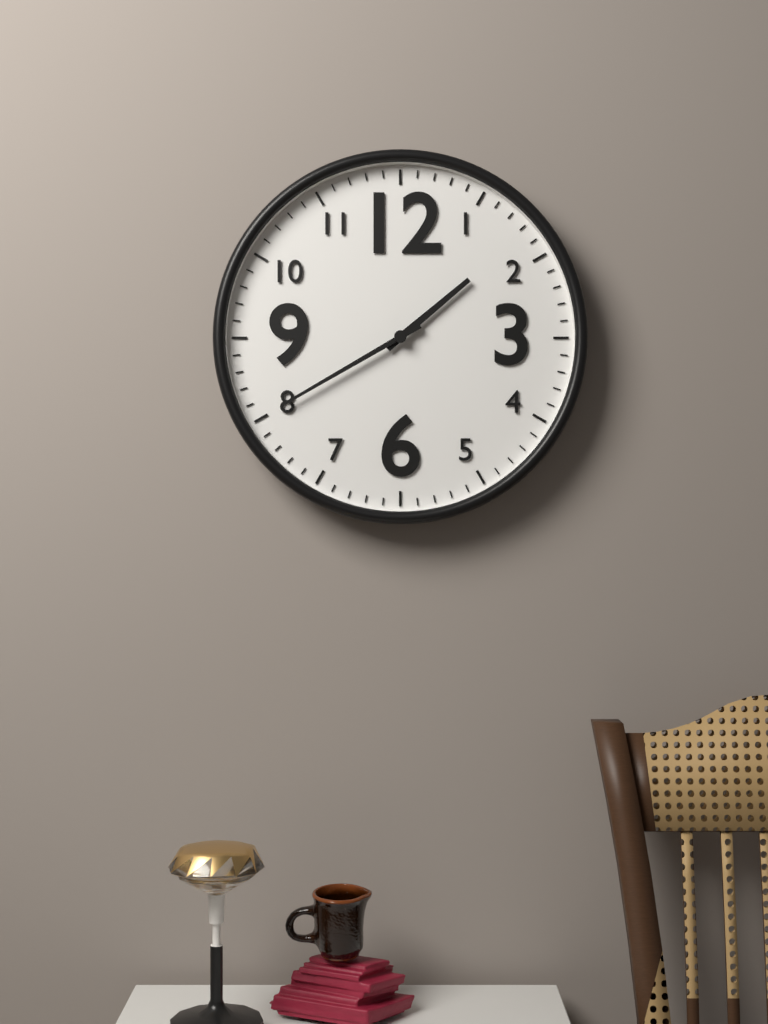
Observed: 1,40
